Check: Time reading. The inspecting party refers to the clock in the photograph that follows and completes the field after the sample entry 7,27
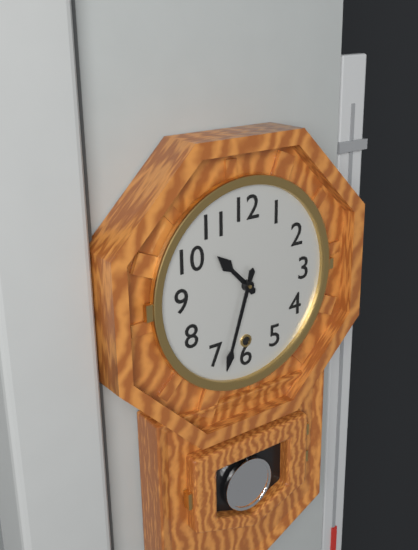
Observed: 10,33
